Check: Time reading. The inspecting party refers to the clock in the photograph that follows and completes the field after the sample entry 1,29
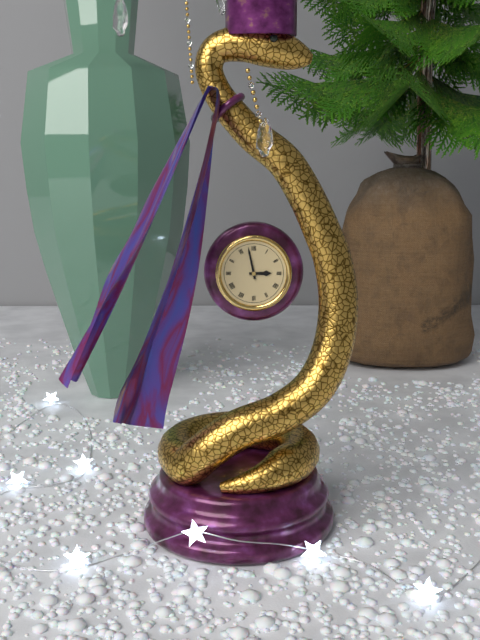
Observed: 2,58
